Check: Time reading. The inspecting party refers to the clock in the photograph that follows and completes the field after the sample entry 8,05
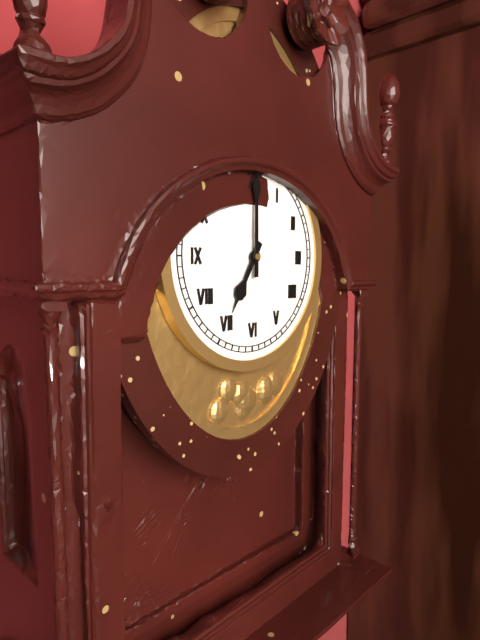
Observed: 7,00
